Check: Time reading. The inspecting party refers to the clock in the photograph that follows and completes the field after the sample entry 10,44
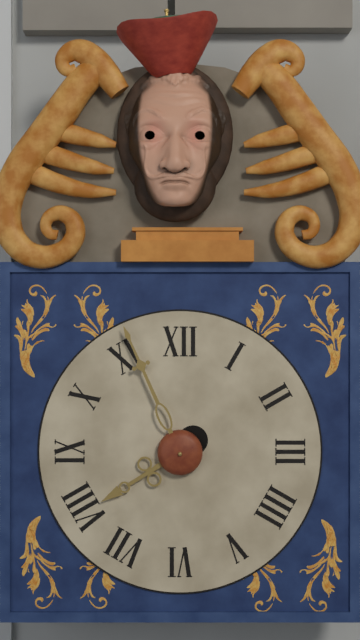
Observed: 7,56
